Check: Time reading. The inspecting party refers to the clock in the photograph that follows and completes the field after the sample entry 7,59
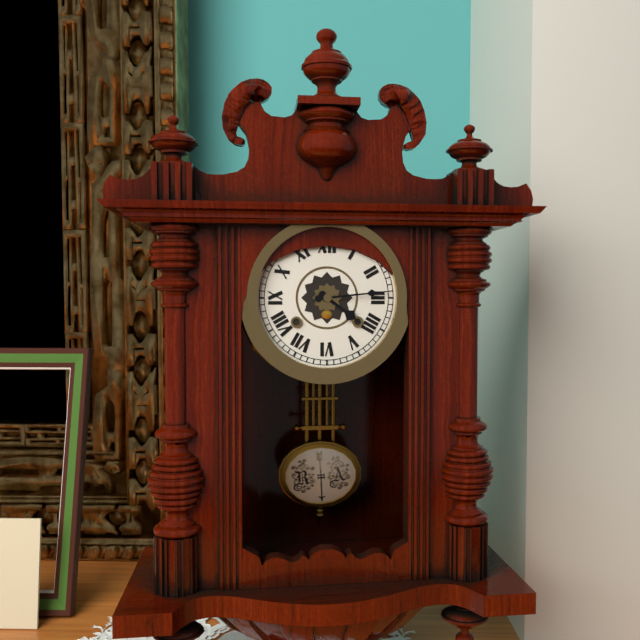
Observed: 4,14
